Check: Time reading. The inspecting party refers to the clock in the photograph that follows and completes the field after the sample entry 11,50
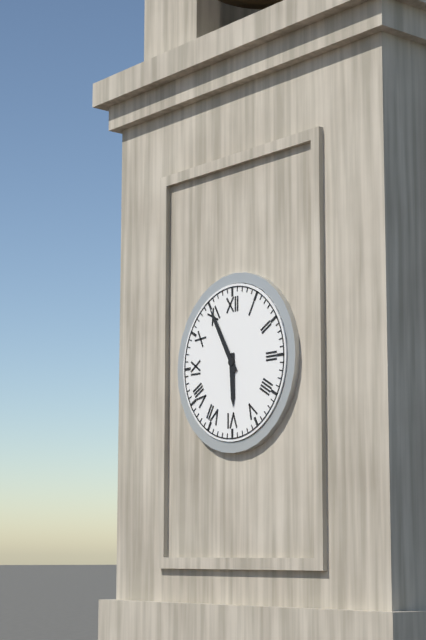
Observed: 5,55
